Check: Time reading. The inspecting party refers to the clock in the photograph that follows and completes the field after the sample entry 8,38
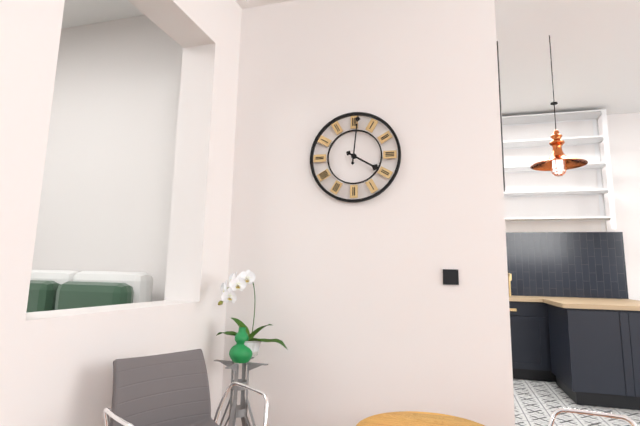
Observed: 4,01
